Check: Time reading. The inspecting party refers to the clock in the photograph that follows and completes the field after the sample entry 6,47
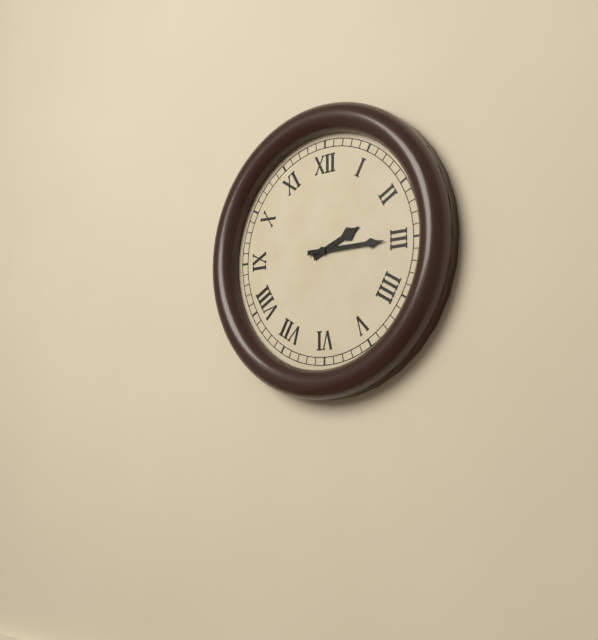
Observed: 2,15
